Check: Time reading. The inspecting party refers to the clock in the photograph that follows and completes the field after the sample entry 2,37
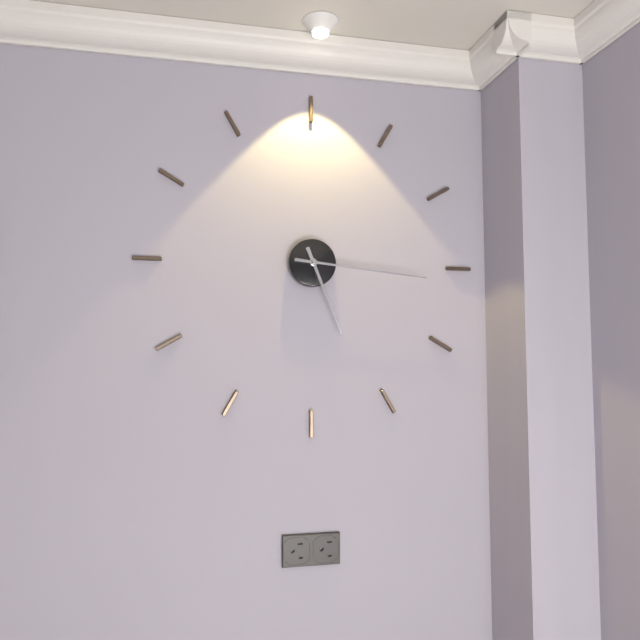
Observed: 5,16
